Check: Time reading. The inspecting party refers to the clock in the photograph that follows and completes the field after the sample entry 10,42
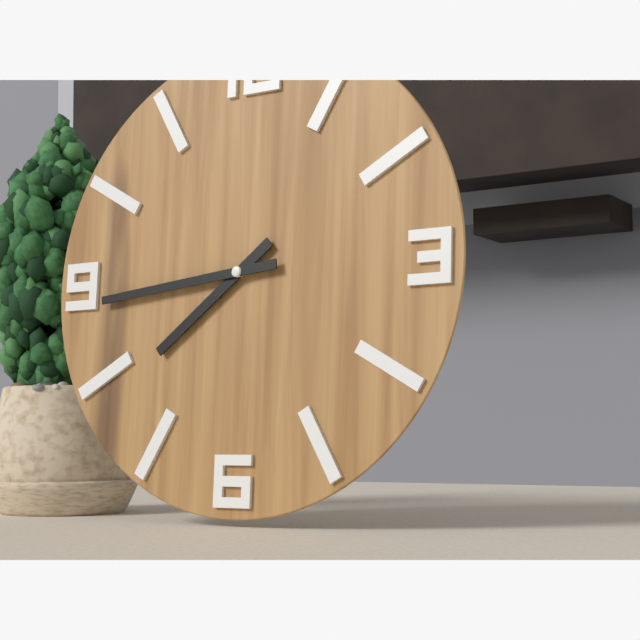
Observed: 7,44
